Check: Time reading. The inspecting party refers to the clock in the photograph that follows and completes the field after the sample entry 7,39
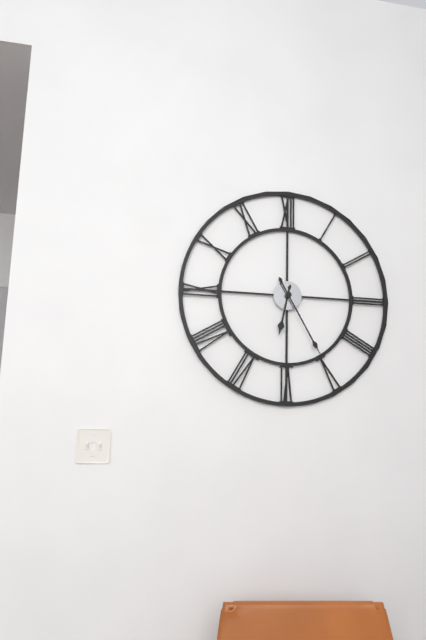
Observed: 6,25
